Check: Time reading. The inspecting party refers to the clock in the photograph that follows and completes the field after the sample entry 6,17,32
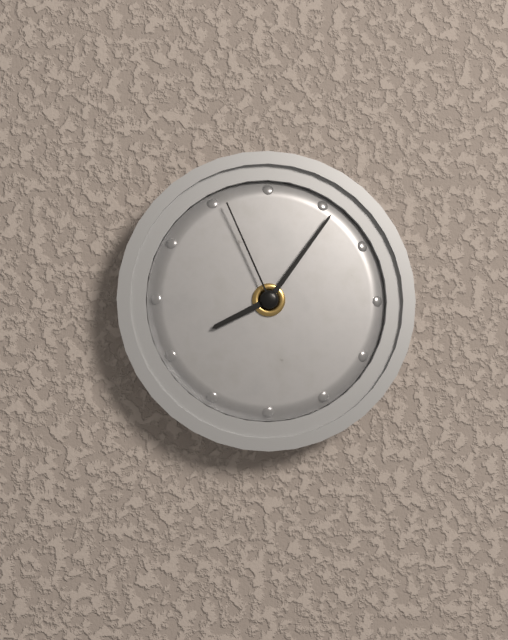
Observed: 8,06,56
